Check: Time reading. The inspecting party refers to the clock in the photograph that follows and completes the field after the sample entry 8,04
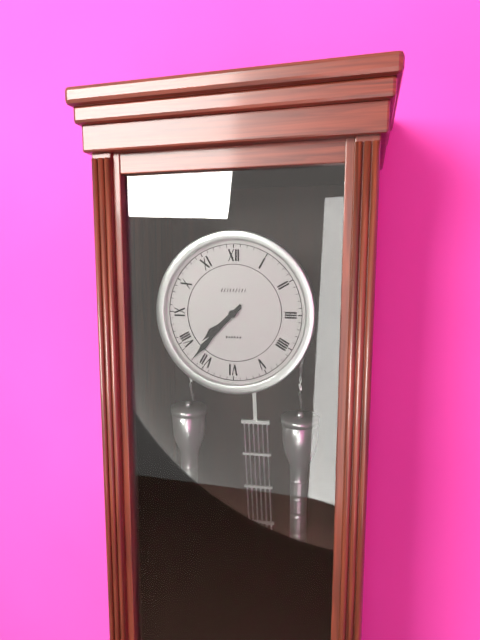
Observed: 7,37
